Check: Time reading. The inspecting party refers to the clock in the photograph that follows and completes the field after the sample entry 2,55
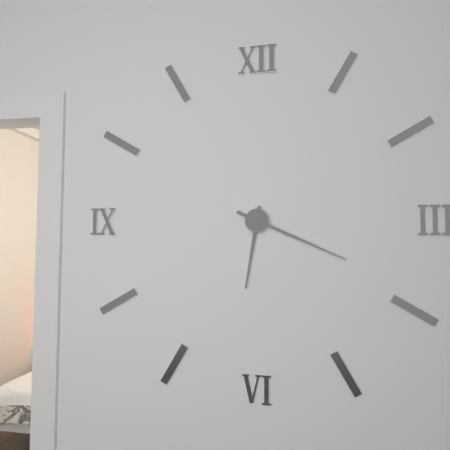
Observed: 6,19
